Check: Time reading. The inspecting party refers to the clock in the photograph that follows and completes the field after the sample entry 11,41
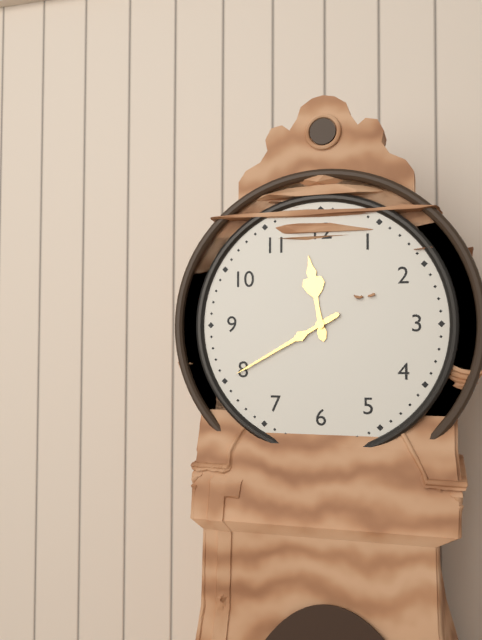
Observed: 11,40
